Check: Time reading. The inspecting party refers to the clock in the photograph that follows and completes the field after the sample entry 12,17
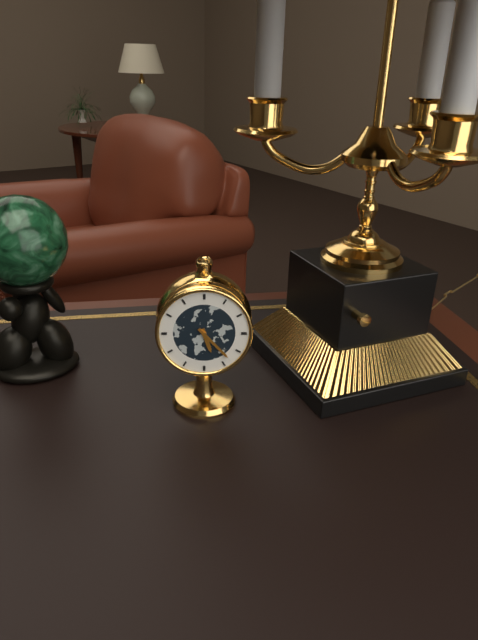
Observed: 5,23
